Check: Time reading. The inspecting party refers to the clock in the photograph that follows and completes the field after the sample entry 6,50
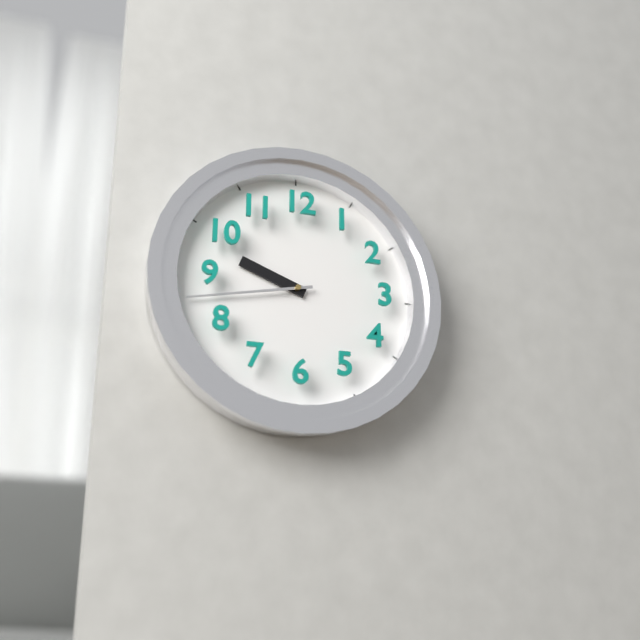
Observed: 9,43
